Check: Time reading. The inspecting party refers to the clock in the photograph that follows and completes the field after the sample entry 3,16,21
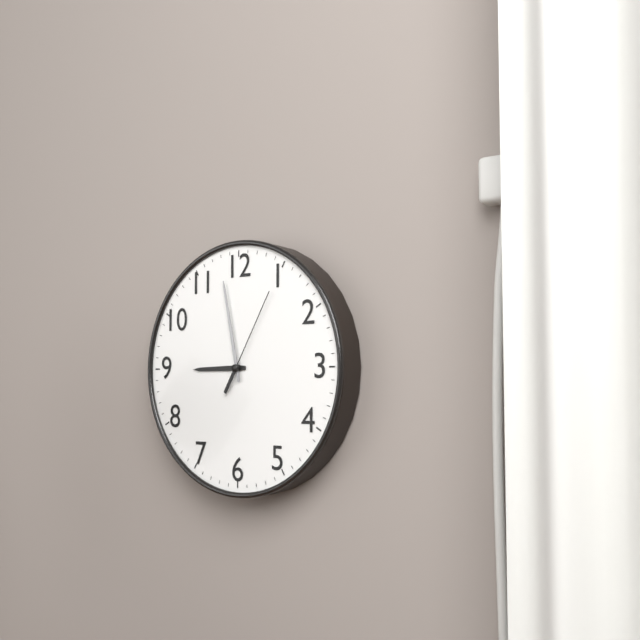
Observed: 8,58,05
